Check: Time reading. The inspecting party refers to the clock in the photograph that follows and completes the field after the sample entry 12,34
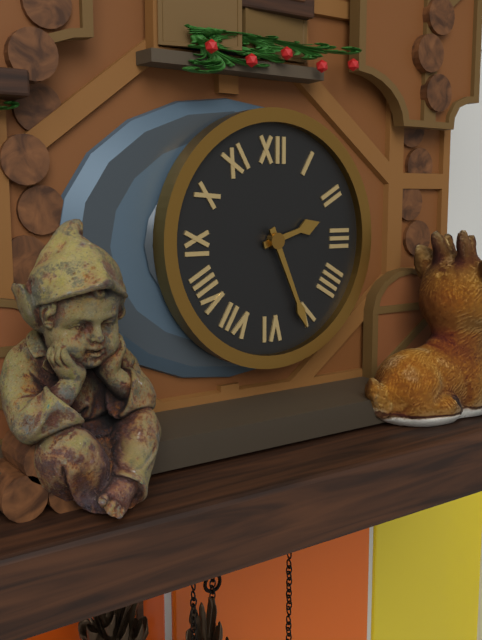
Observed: 2,26
